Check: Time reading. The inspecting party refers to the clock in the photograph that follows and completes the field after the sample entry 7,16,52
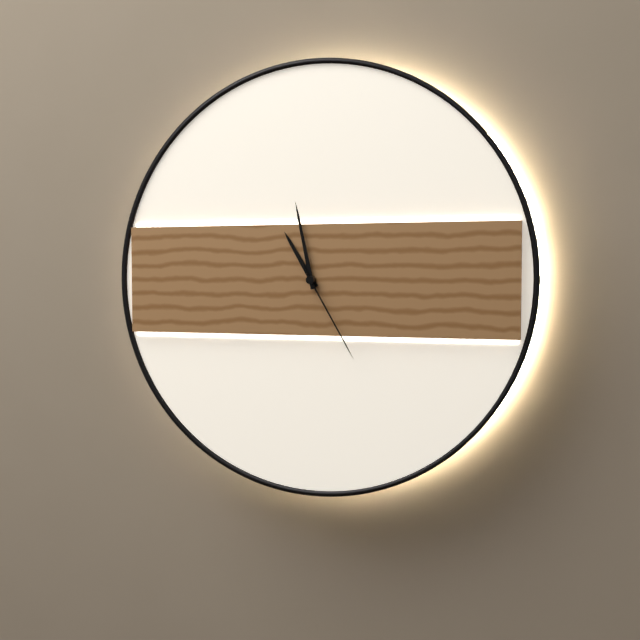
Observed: 10,58,25
